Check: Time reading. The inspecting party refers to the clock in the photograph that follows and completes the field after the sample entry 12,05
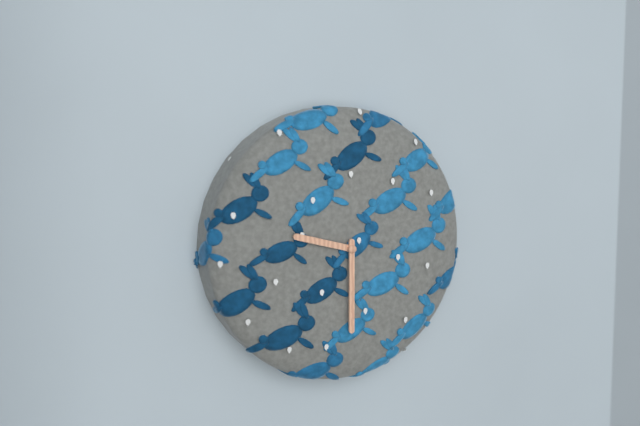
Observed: 9,30
